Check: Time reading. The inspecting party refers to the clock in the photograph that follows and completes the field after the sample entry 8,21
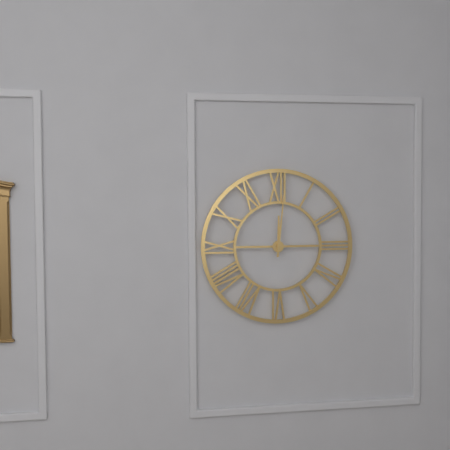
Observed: 12,01
